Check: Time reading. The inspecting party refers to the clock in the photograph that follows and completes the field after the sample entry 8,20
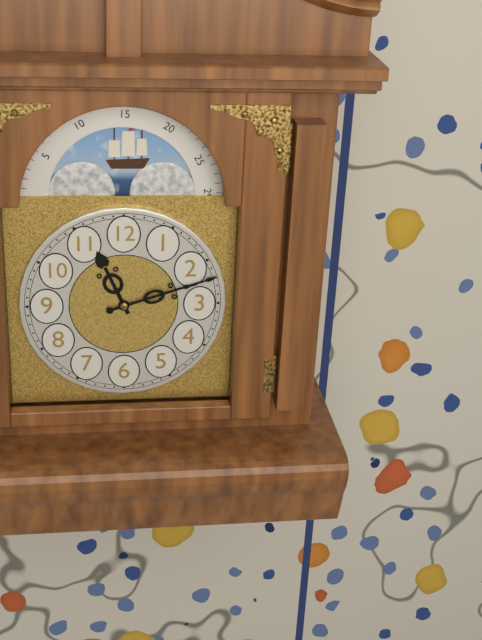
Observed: 11,12
